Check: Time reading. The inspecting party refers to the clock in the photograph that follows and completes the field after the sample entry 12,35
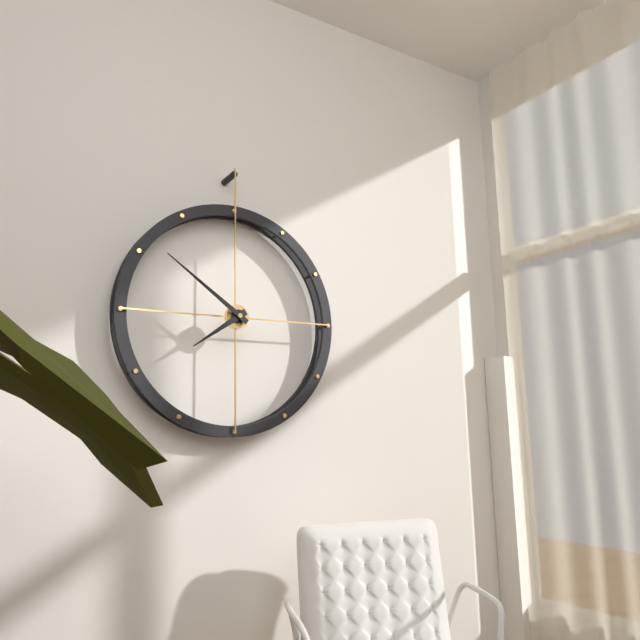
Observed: 7,51
